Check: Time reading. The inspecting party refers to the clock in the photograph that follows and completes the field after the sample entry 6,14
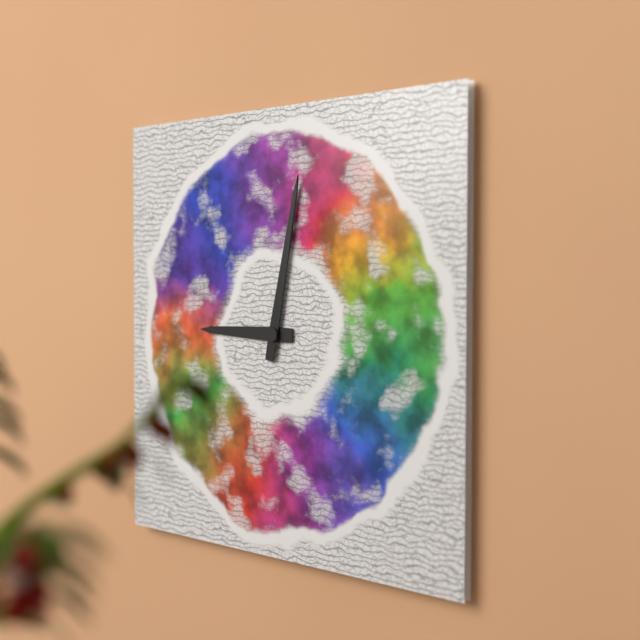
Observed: 9,02
